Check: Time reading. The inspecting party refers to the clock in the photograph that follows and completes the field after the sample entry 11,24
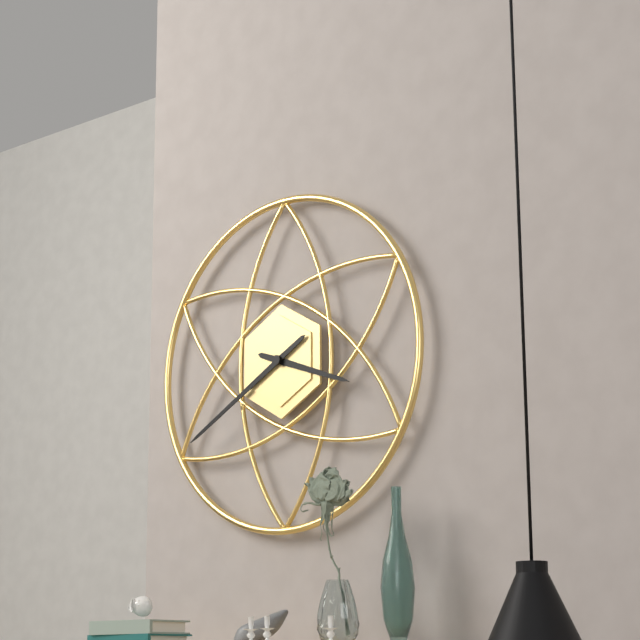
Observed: 3,40
